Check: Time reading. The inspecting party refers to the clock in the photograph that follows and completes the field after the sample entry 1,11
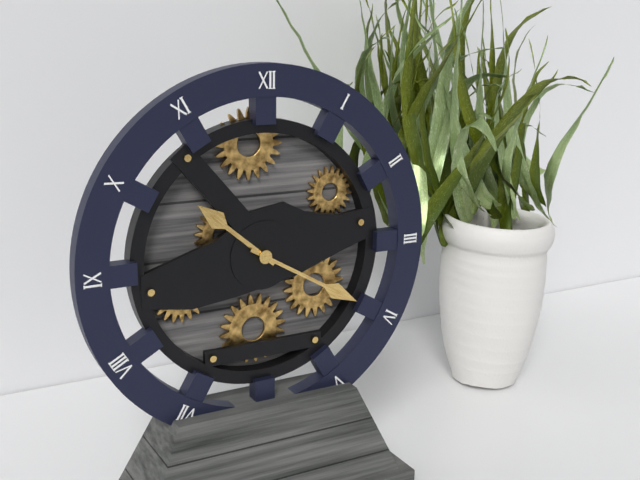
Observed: 10,20
